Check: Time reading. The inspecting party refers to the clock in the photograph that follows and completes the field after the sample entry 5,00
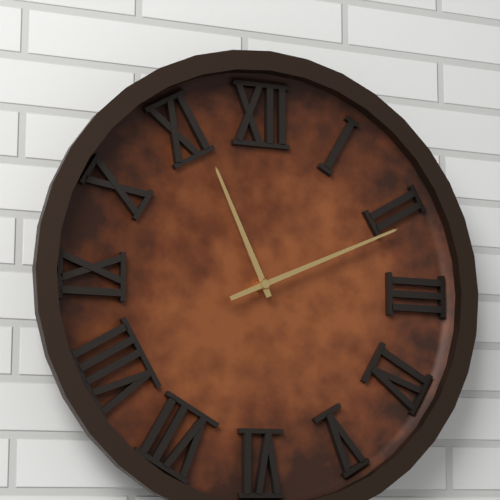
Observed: 11,11
